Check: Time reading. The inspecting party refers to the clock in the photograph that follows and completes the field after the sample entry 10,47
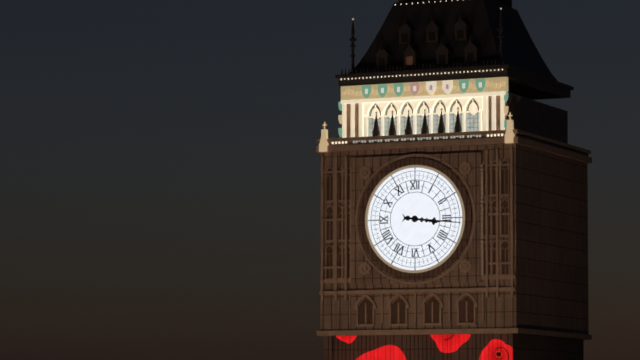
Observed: 3,16
